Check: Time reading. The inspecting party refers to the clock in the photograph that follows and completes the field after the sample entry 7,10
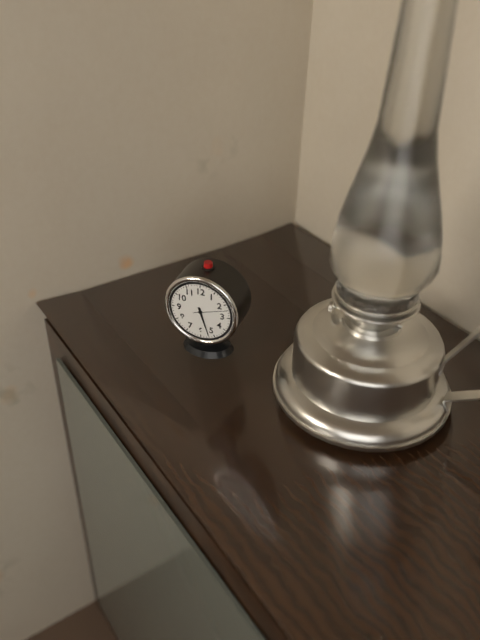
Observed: 5,27
